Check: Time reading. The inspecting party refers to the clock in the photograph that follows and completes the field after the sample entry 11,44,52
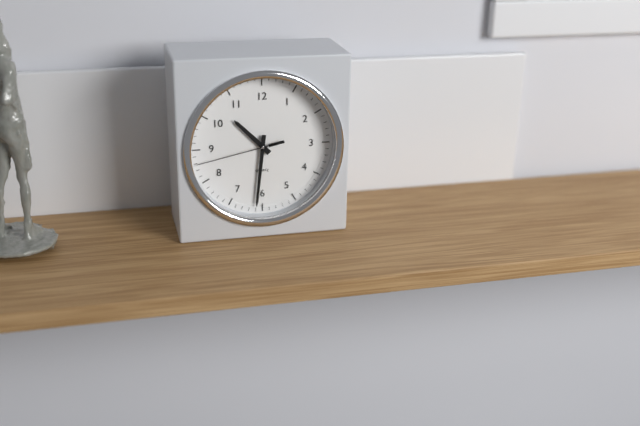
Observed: 10,31,43
